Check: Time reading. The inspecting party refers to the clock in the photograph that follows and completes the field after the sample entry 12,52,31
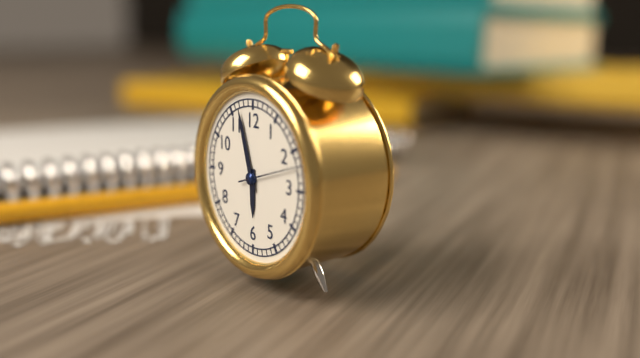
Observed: 5,57,12
